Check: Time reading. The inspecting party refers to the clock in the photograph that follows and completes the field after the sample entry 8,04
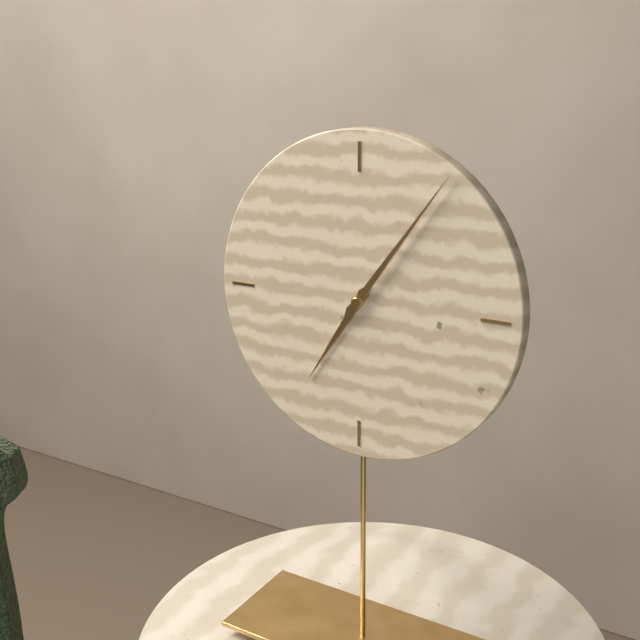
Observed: 7,06
